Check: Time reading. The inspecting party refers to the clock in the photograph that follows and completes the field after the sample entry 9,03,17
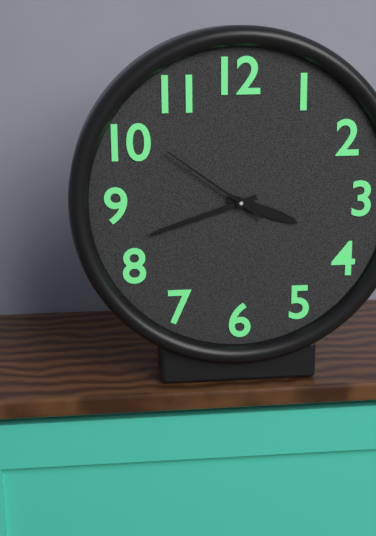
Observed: 3,42,51
